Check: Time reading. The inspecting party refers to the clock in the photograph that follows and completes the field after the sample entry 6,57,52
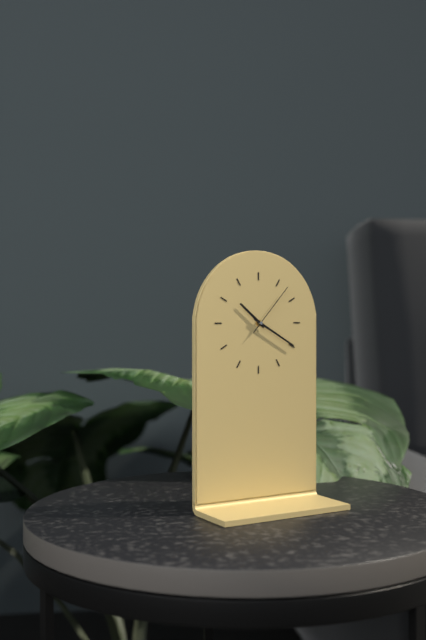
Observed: 10,20,07
